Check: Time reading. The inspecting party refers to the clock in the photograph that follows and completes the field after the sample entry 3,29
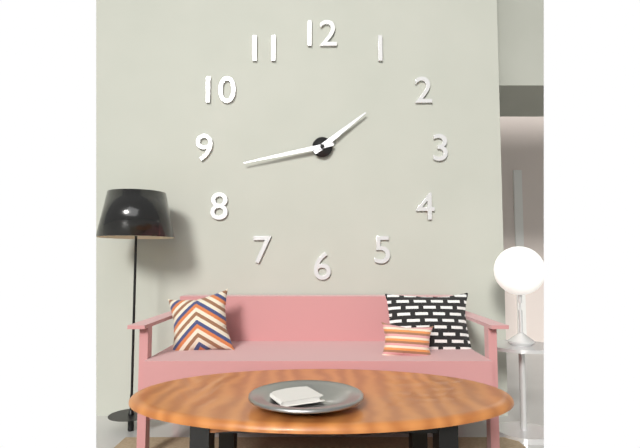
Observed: 1,43
